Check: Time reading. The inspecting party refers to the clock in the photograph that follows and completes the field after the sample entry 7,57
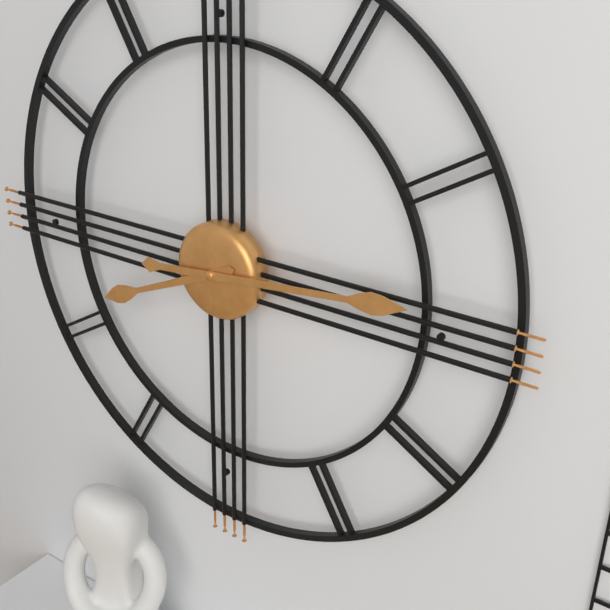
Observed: 8,14
